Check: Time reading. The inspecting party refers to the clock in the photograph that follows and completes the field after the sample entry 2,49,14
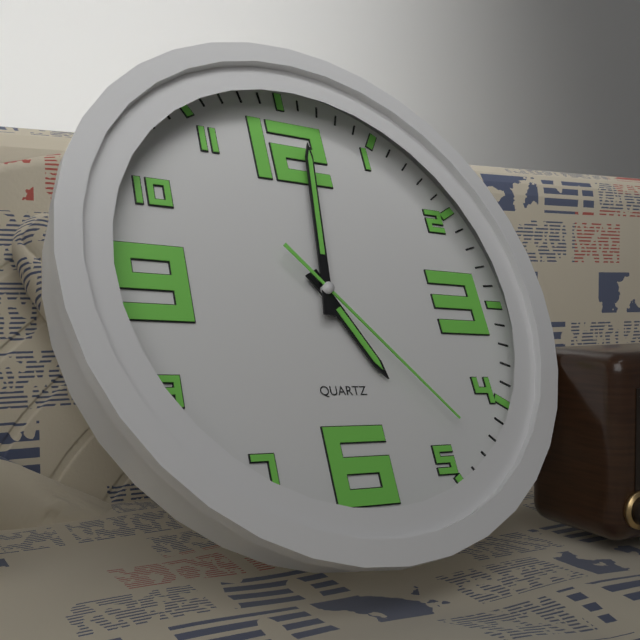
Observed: 5,01,23
